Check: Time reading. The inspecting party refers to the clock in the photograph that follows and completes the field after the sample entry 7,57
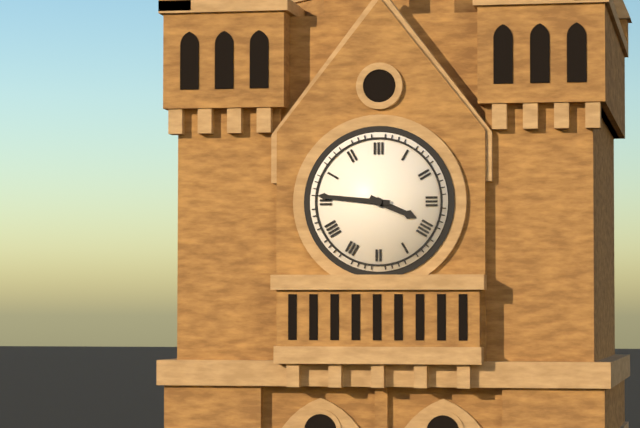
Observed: 3,46
